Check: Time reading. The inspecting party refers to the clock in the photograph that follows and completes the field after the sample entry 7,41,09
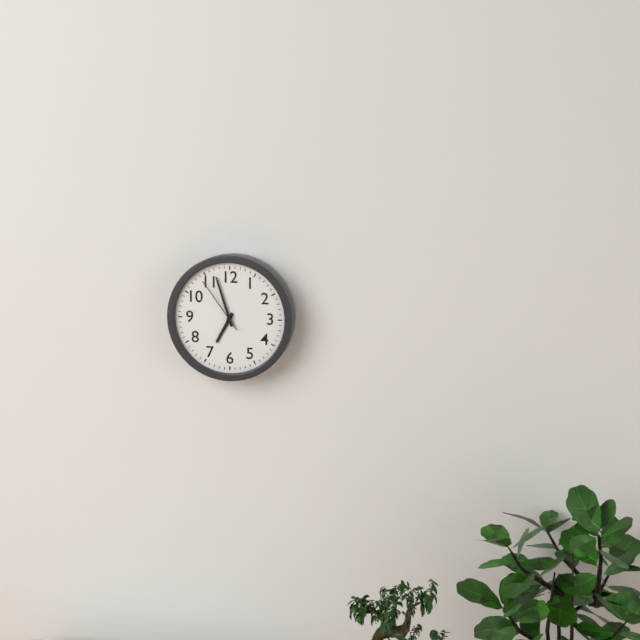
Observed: 6,57,54
